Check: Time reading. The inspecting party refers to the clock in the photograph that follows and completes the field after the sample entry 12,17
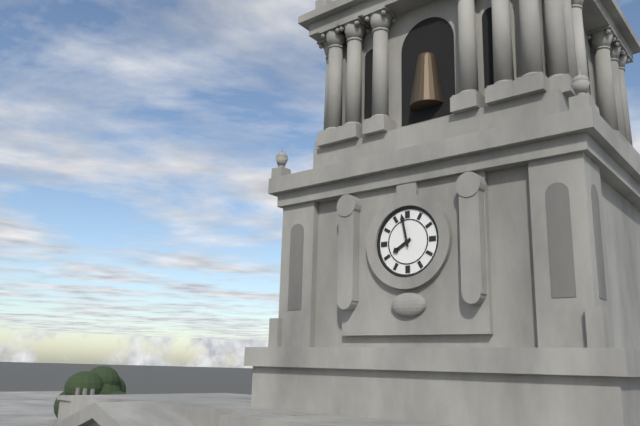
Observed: 7,58
